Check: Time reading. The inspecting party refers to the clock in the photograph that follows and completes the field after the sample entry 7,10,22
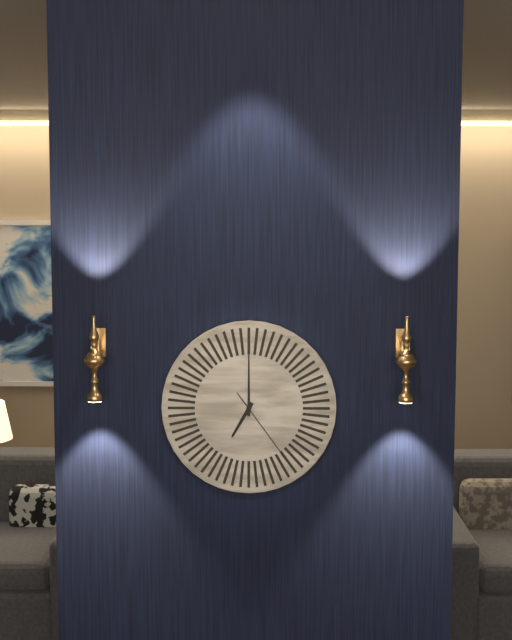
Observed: 7,00,24
